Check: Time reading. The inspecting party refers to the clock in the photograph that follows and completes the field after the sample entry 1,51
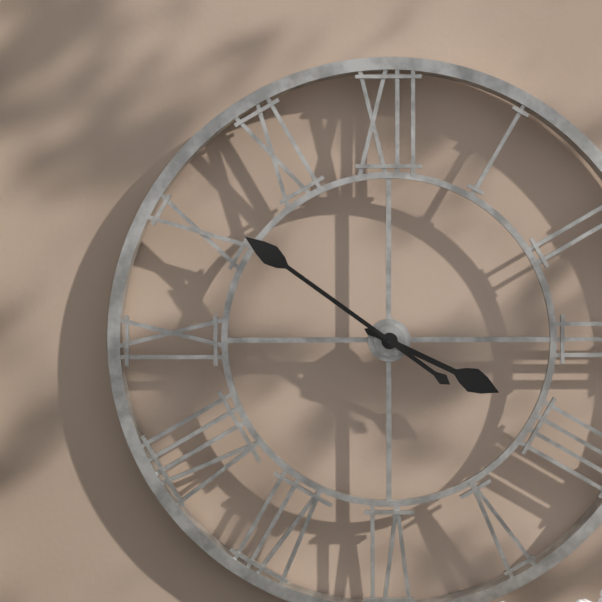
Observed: 3,51
